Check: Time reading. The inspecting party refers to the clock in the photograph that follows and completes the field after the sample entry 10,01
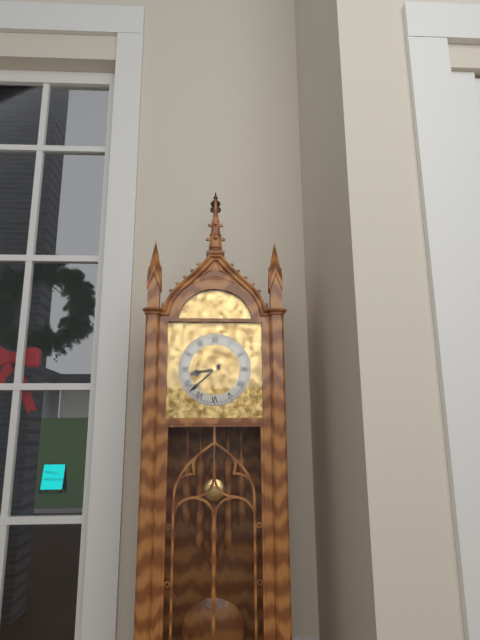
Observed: 8,38
